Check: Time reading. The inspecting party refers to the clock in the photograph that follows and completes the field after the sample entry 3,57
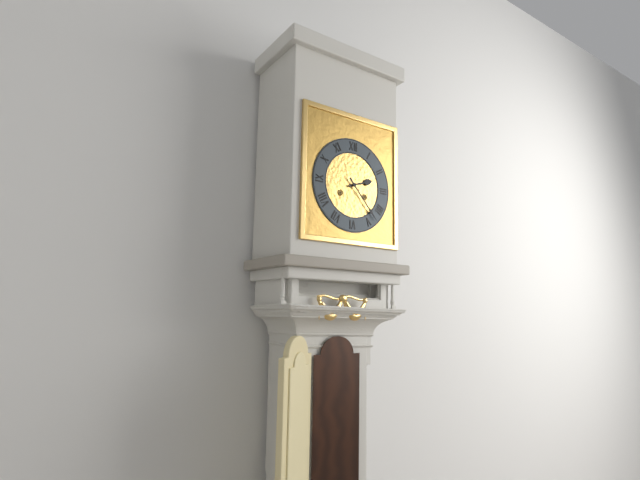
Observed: 2,23
